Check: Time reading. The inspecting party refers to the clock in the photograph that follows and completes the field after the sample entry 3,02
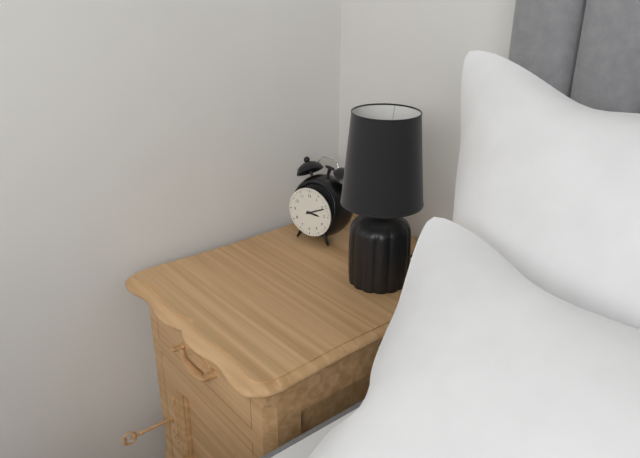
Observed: 3,11
